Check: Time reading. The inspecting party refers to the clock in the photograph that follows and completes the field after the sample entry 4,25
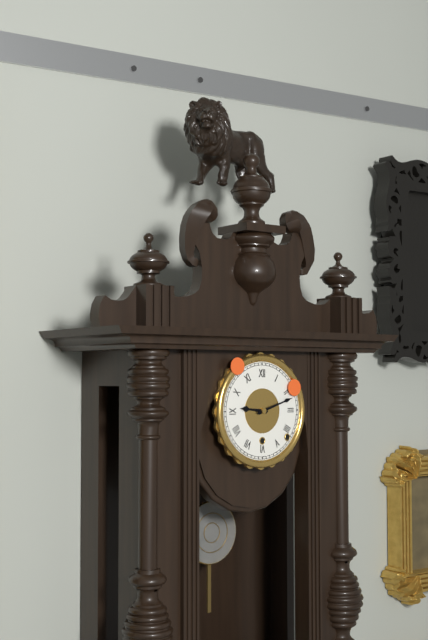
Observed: 9,12
